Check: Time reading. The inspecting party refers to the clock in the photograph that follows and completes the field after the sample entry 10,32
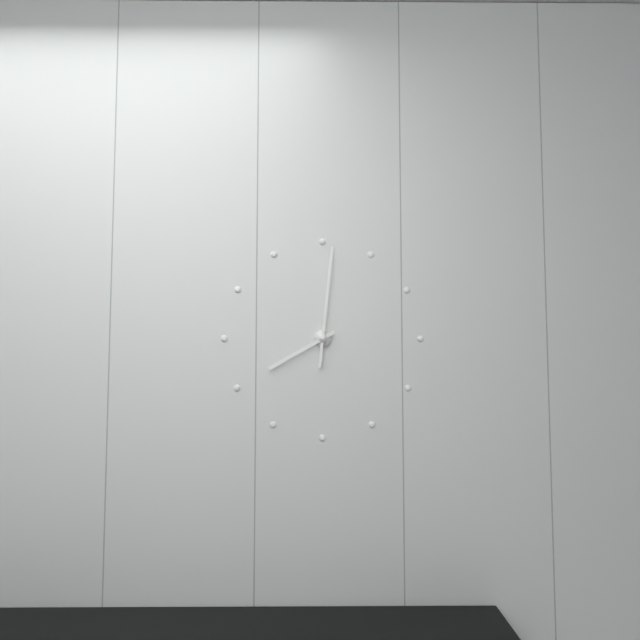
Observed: 8,01
